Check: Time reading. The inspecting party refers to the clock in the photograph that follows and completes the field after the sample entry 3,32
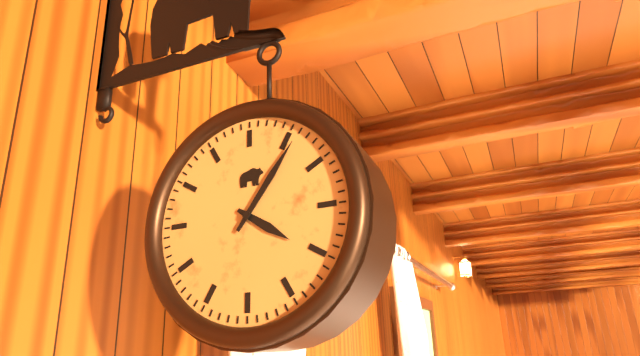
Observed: 4,06
